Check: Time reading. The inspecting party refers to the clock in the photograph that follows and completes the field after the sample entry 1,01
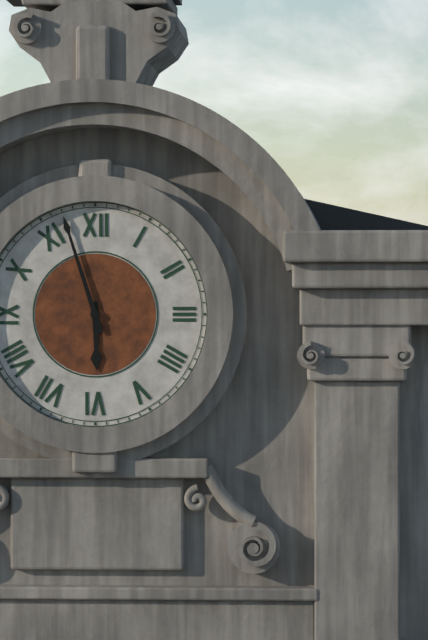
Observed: 5,57
